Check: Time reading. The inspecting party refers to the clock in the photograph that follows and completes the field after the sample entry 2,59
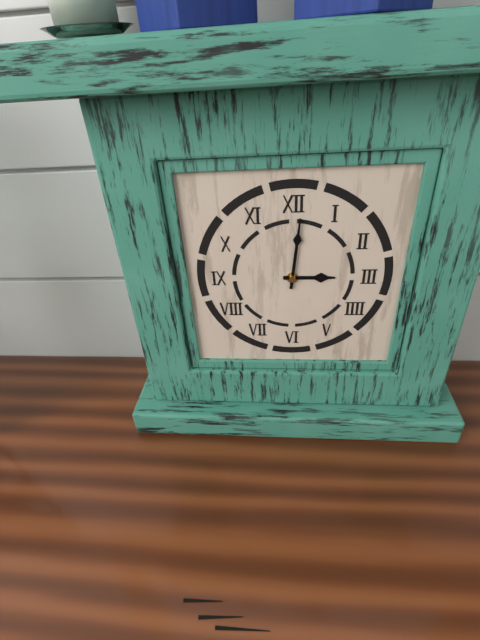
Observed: 3,01
